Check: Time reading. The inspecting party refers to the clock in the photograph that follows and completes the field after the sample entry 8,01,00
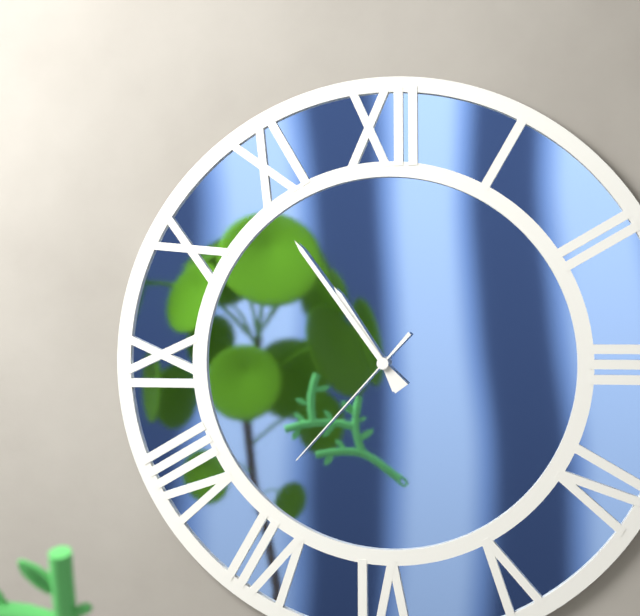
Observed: 10,54,37
